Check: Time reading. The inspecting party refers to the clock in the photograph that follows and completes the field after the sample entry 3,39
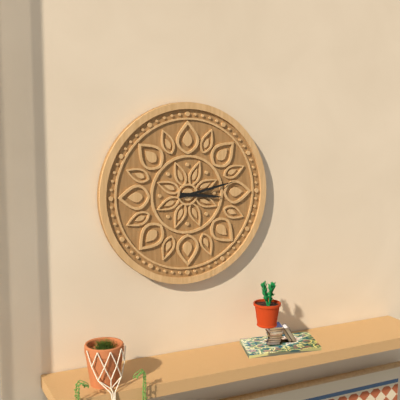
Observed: 3,13
